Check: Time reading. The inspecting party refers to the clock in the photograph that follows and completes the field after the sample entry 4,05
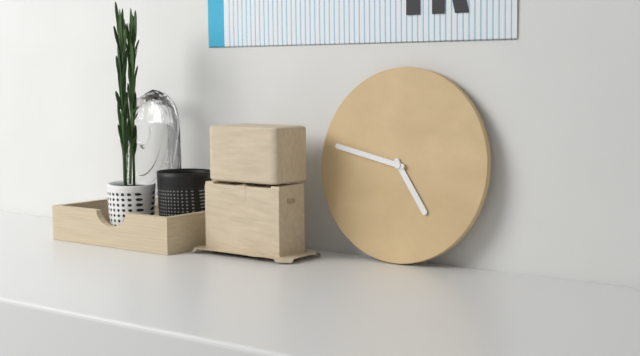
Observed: 4,47
